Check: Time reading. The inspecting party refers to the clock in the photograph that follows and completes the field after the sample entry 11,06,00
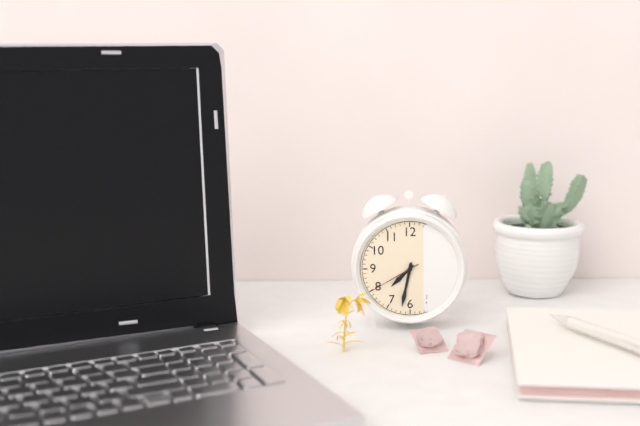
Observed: 7,32,40
